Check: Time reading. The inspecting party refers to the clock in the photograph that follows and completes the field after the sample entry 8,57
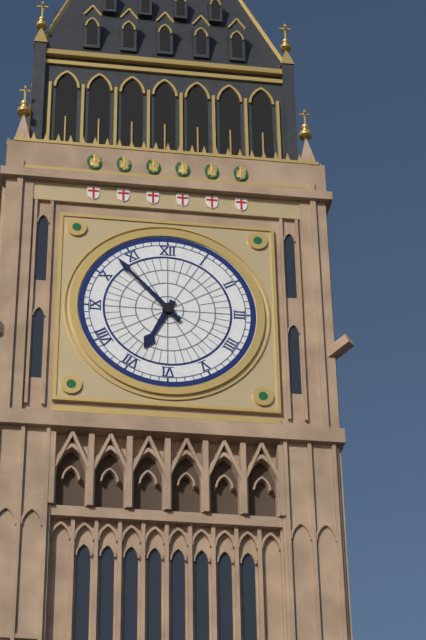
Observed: 6,53
